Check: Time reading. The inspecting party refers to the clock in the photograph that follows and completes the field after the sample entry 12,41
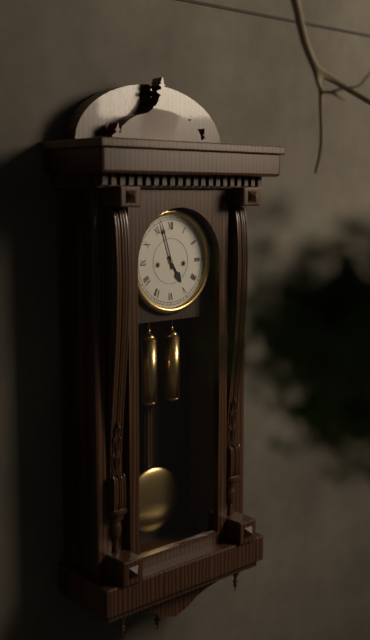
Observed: 4,57
